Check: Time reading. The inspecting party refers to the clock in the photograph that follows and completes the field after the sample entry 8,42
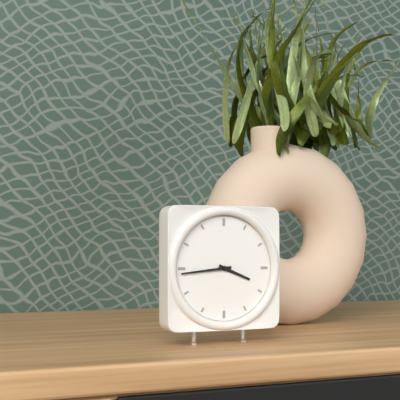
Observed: 3,44
